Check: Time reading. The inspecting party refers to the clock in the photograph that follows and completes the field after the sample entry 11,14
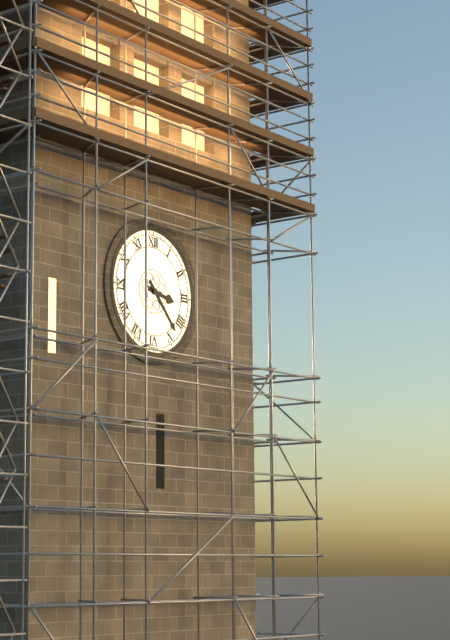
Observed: 3,23
